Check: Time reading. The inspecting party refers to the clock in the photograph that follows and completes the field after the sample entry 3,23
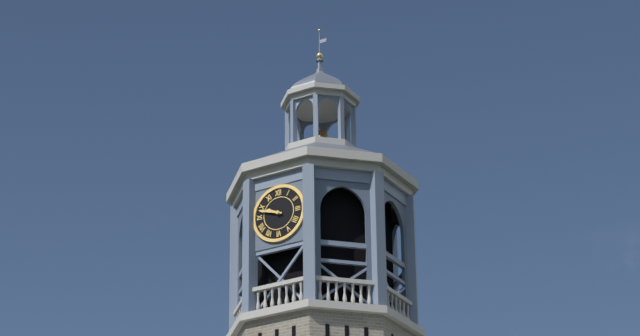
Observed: 9,48
